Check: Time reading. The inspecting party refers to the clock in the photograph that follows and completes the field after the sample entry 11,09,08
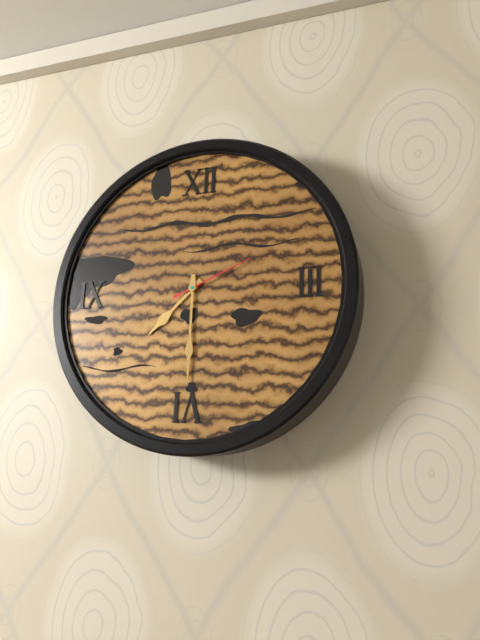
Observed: 7,30,11
